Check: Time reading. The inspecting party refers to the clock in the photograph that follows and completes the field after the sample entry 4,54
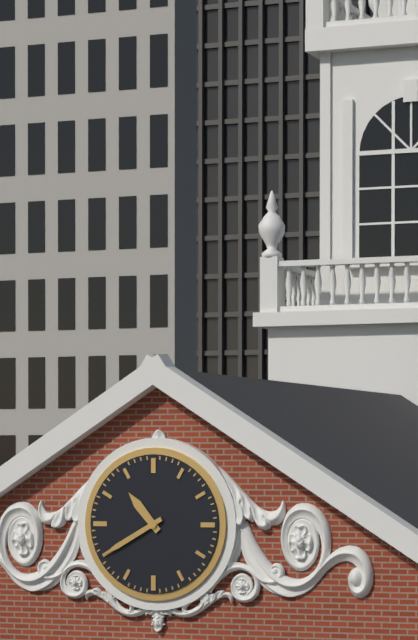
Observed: 10,40
